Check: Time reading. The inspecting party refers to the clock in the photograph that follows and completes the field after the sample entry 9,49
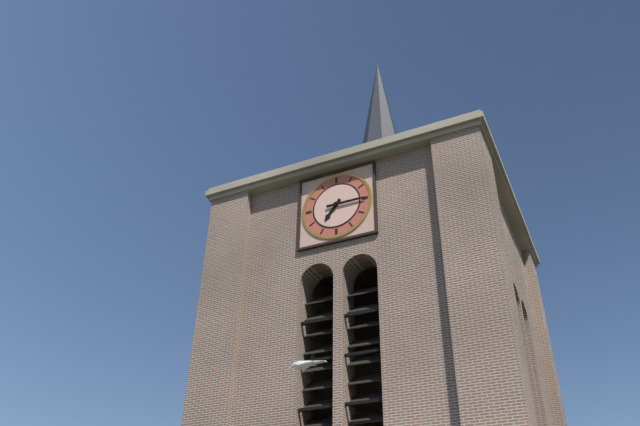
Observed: 7,15
